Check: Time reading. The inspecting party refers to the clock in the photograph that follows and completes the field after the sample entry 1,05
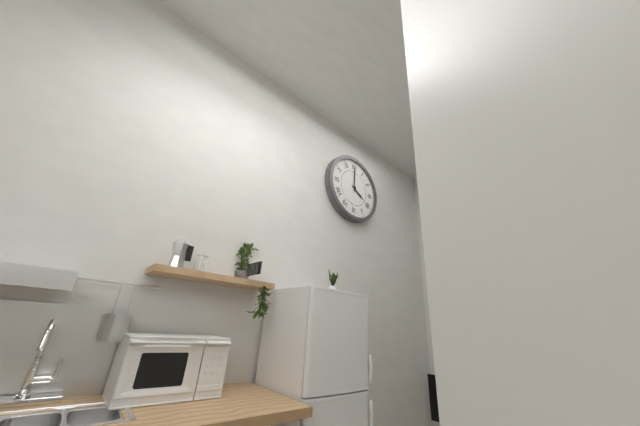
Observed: 4,00
